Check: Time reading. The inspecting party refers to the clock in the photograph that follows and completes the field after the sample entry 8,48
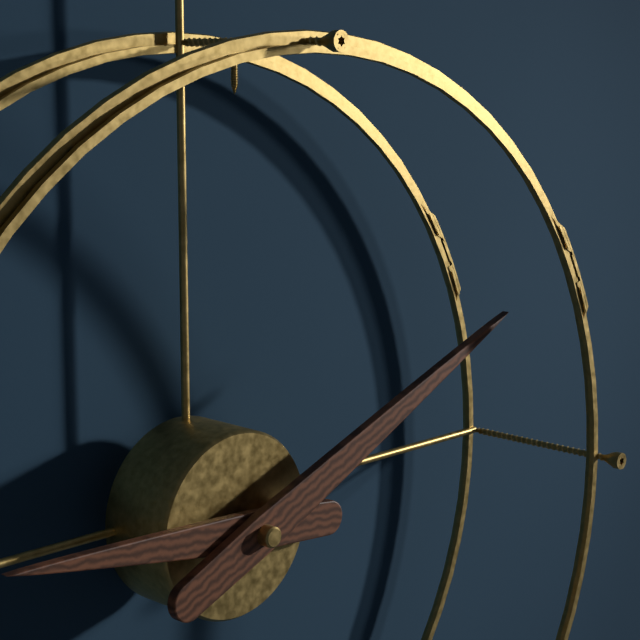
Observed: 9,11
